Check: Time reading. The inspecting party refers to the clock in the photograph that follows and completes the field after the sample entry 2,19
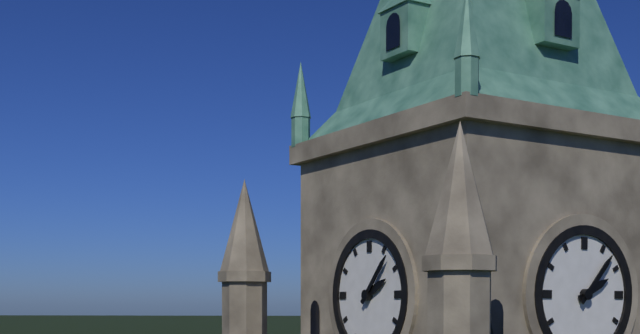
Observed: 2,07
